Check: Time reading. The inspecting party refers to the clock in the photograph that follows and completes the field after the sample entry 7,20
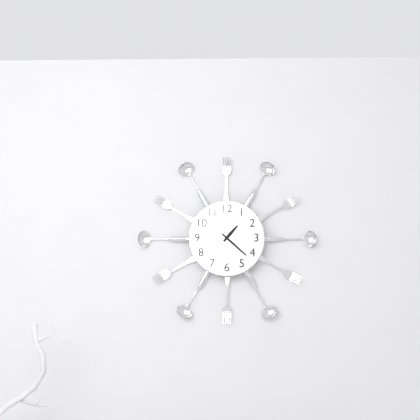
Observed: 1,22
